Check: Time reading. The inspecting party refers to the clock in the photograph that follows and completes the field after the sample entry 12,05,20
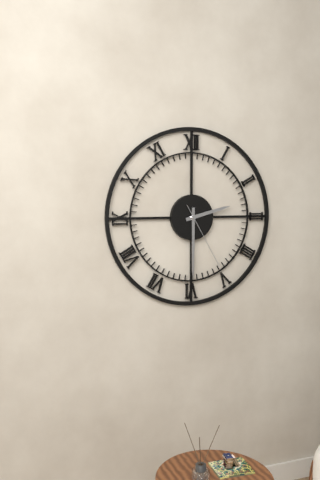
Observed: 2,30,25
